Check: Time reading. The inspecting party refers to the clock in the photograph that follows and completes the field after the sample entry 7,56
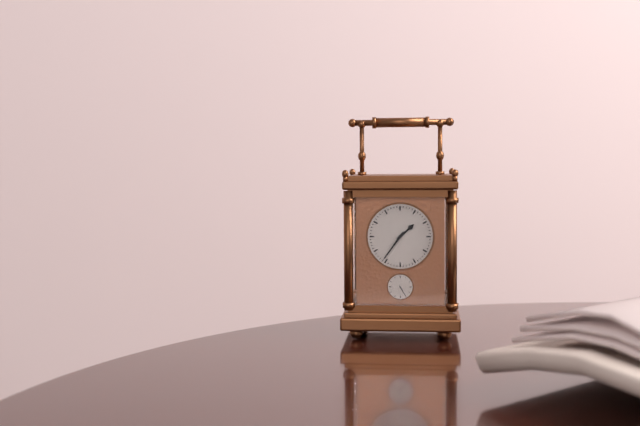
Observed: 1,36
